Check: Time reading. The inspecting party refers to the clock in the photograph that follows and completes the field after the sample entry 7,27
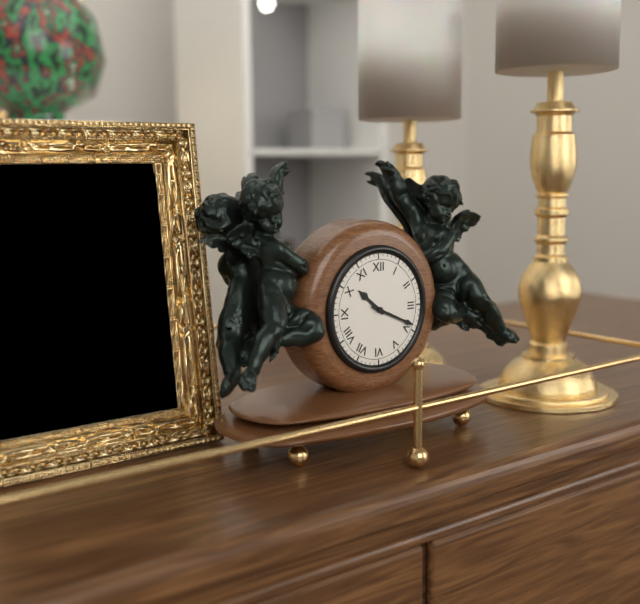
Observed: 10,19
